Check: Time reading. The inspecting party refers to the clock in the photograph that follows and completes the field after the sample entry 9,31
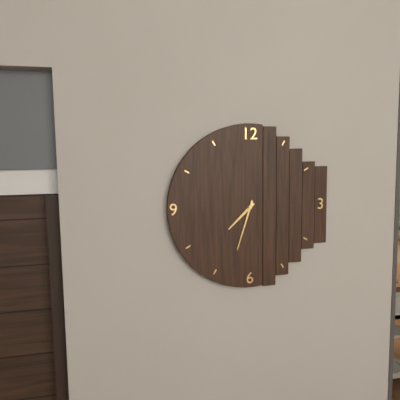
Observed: 7,33
